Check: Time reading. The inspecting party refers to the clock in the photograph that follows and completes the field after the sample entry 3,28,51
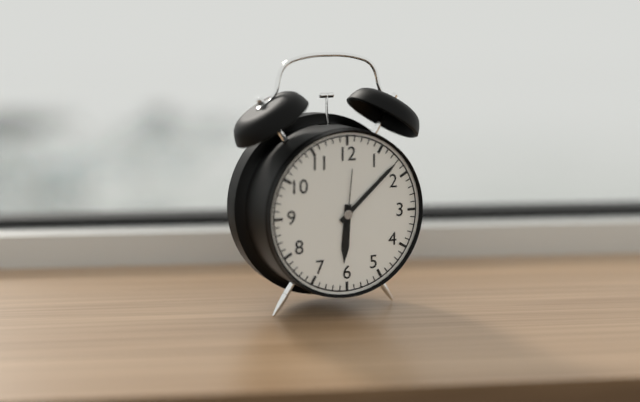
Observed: 6,08,01
